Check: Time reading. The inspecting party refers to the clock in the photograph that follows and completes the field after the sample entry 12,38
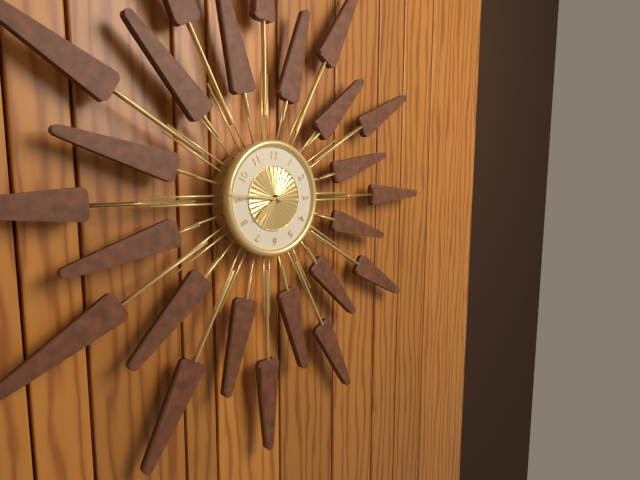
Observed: 7,46
